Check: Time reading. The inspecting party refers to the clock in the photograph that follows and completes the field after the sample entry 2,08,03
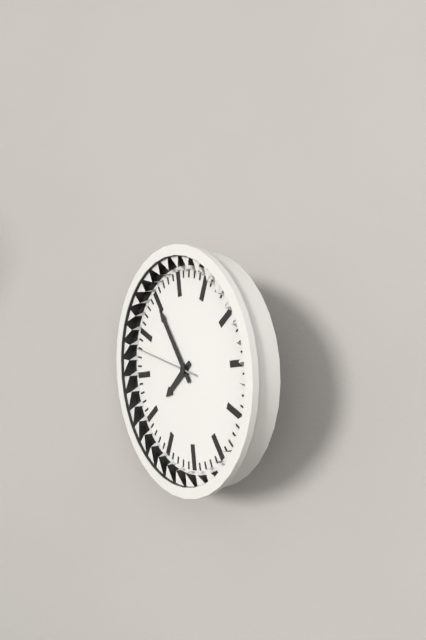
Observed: 7,55,48
